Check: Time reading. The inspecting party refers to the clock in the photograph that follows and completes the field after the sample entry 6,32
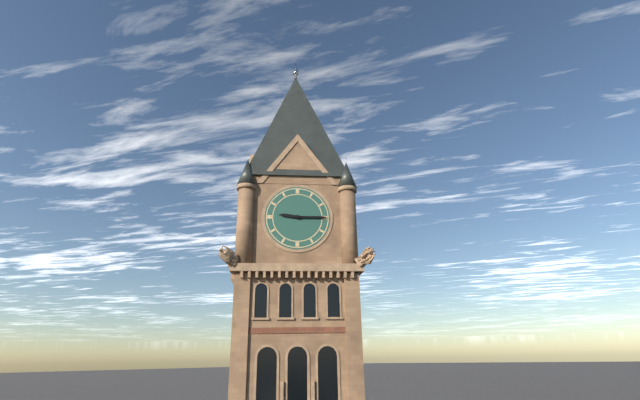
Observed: 9,15
